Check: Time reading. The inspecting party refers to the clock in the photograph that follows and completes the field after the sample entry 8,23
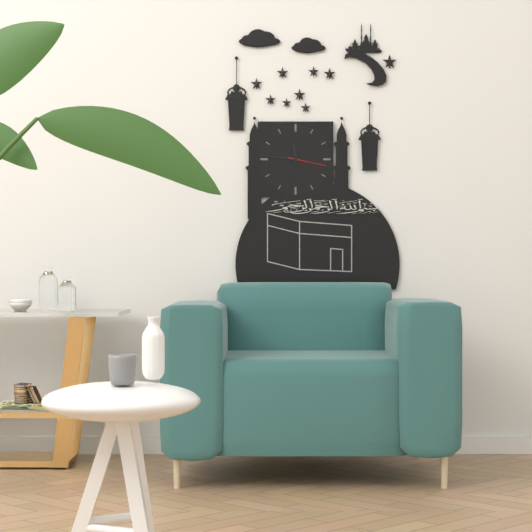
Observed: 11,46
